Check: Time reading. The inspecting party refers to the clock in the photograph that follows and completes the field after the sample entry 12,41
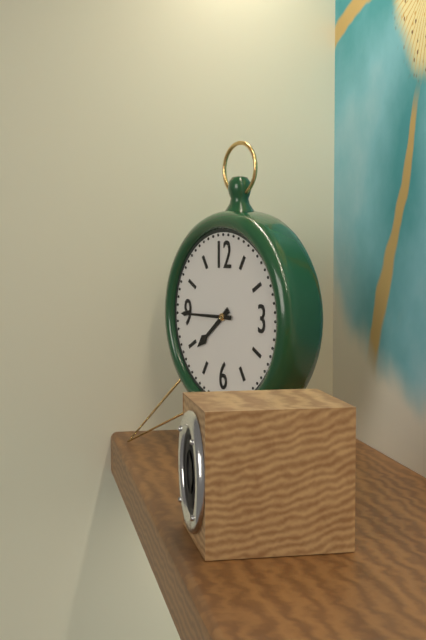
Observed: 7,45
